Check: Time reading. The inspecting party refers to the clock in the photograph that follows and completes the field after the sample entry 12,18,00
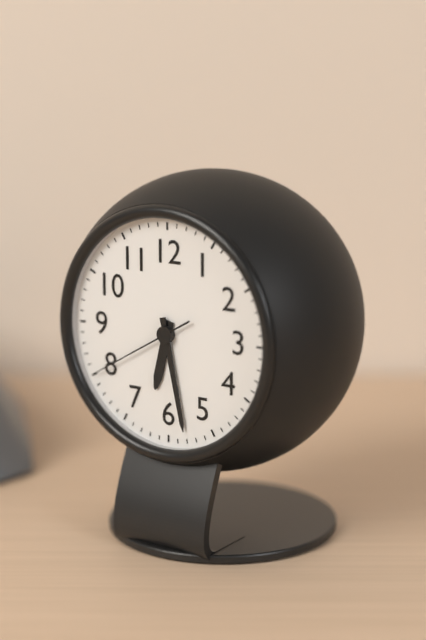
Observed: 6,28,40
